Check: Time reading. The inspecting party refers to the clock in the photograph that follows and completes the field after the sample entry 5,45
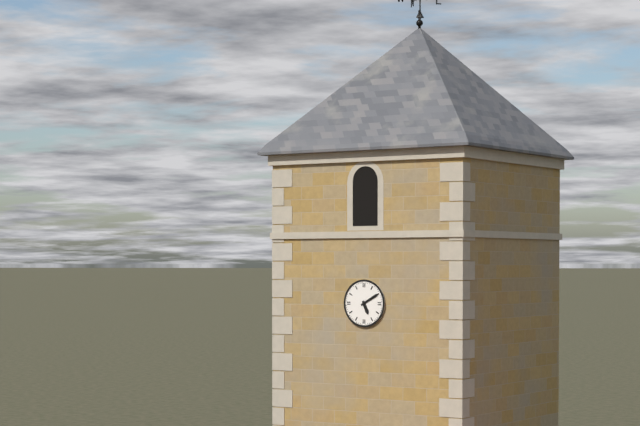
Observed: 5,10
